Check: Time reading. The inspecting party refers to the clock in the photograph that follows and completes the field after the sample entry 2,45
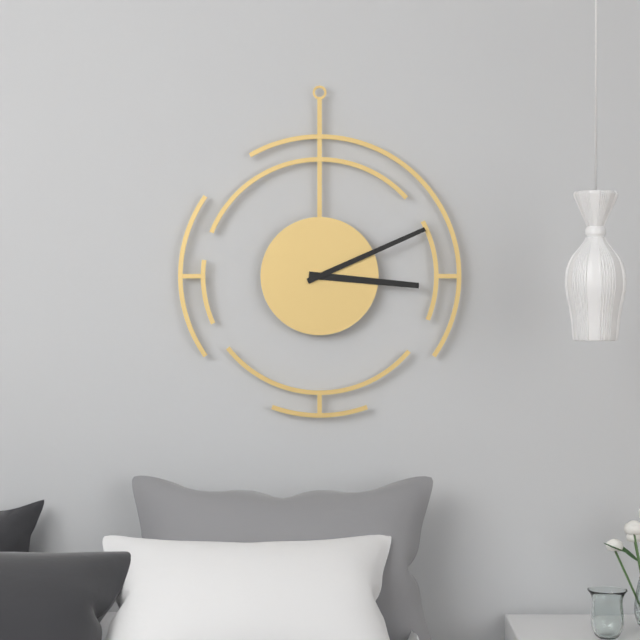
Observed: 3,11
